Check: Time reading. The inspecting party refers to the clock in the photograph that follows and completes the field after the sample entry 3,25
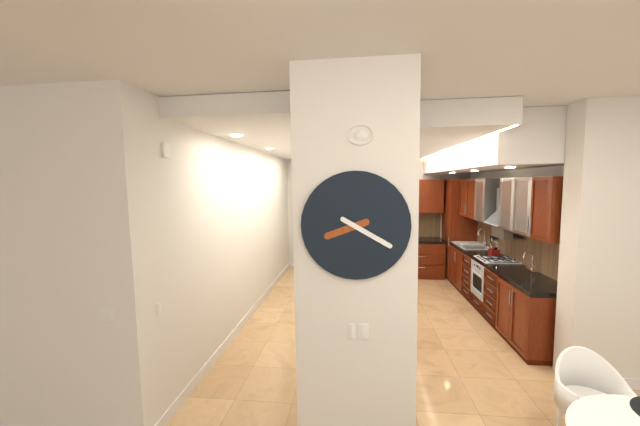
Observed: 8,20
